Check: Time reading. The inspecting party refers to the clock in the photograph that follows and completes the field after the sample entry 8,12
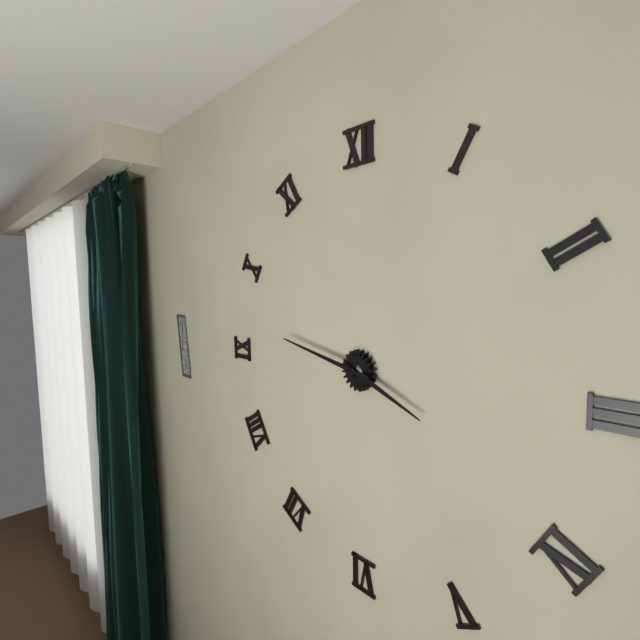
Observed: 3,47
